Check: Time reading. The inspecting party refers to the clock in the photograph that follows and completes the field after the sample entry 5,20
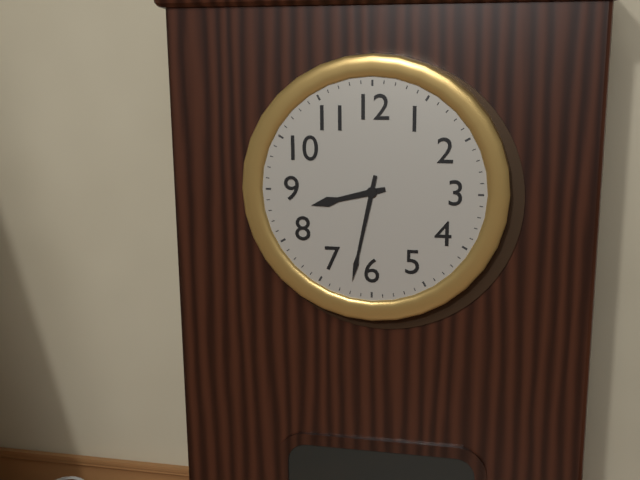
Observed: 8,32
